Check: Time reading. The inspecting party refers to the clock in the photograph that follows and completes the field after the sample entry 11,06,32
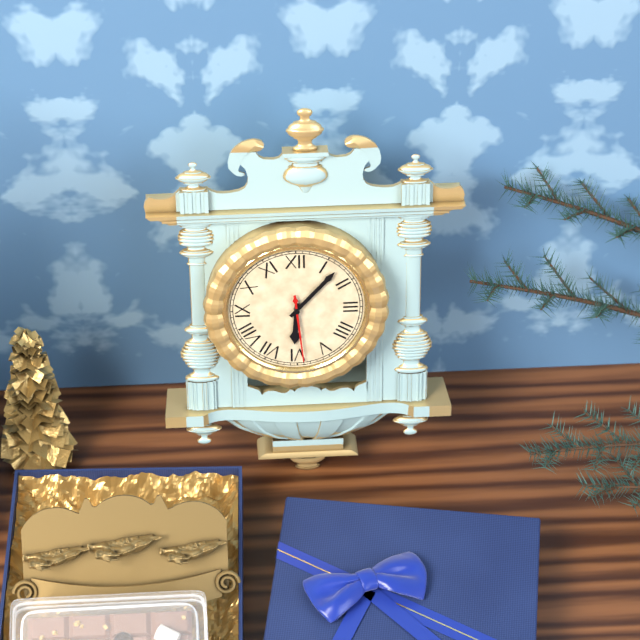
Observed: 6,07,29
